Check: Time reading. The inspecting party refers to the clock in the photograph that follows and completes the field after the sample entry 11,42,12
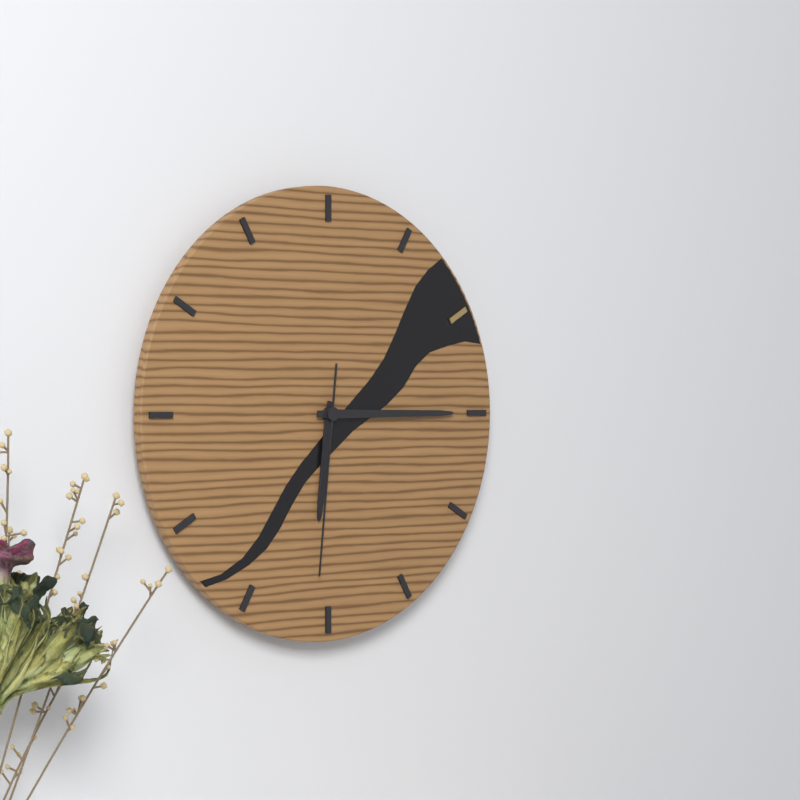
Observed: 6,15,31
